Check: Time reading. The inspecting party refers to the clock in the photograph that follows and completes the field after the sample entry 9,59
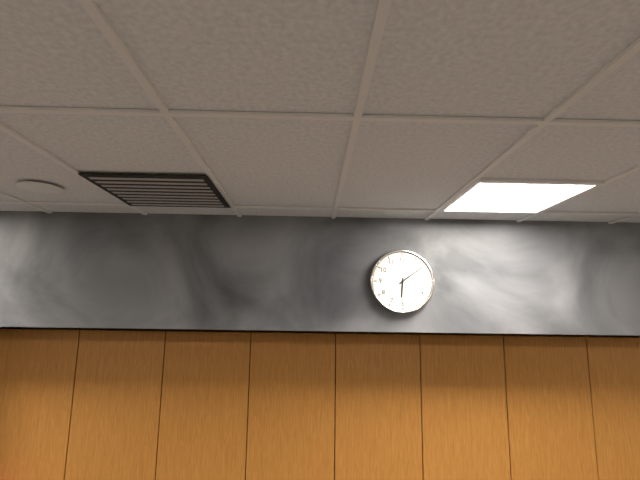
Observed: 6,09
